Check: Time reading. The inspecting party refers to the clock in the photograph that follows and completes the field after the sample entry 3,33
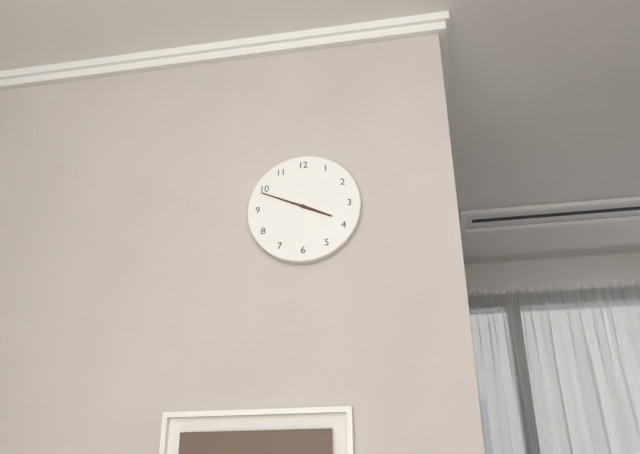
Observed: 3,49
